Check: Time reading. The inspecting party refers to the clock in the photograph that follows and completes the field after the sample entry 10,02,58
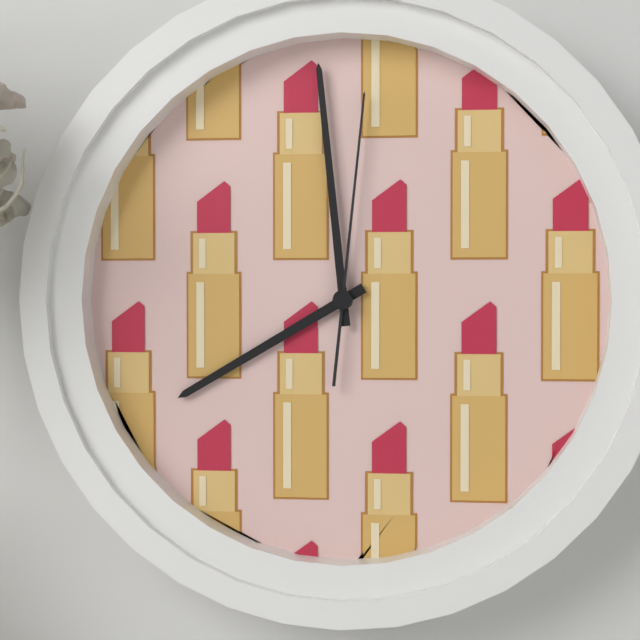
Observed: 7,59,01
